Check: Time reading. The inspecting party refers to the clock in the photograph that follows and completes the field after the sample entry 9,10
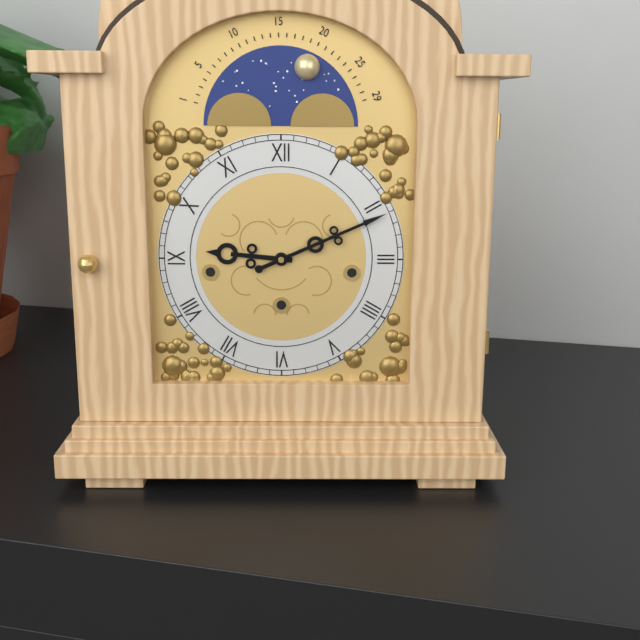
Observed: 9,11
